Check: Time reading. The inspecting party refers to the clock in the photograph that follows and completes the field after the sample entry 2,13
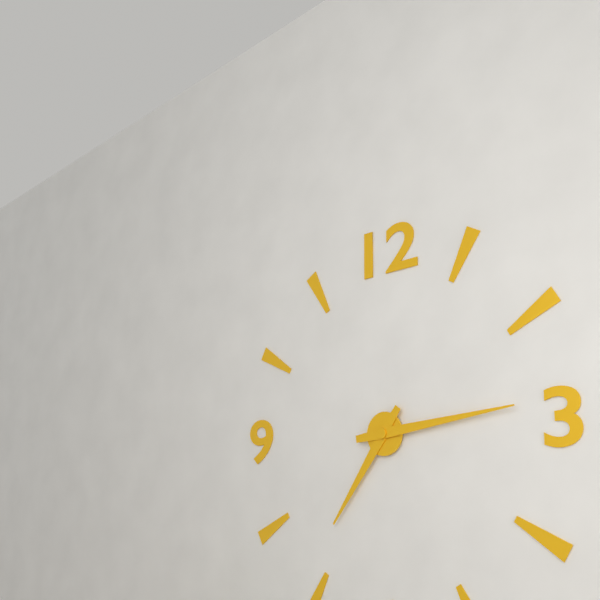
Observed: 7,14
